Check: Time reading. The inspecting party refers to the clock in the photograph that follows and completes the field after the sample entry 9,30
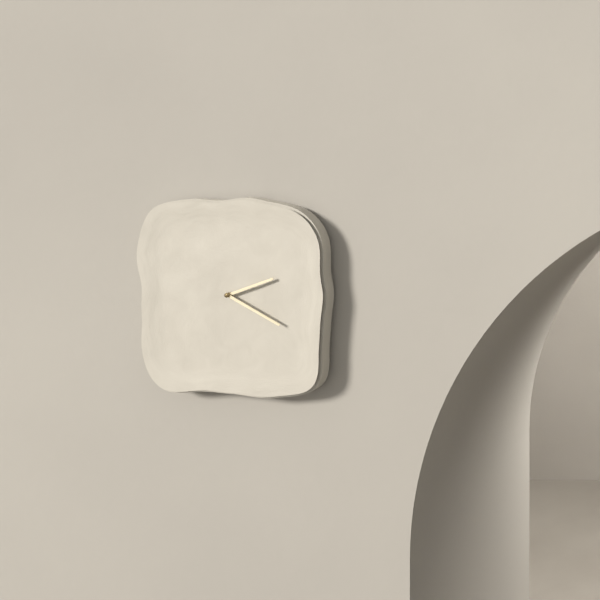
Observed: 2,20
